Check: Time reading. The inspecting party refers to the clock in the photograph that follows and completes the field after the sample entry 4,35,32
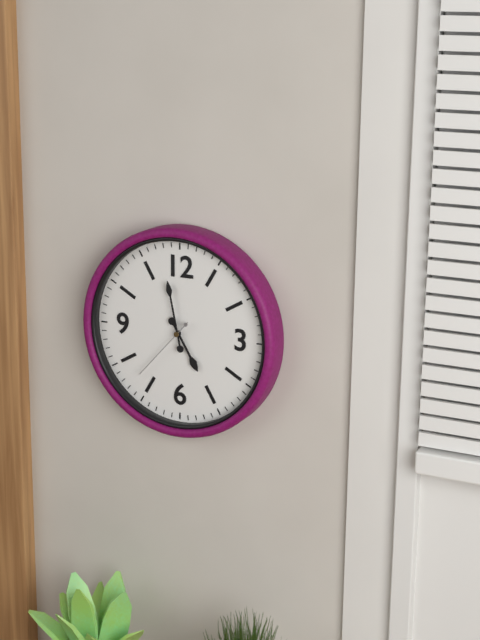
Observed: 4,58,37
